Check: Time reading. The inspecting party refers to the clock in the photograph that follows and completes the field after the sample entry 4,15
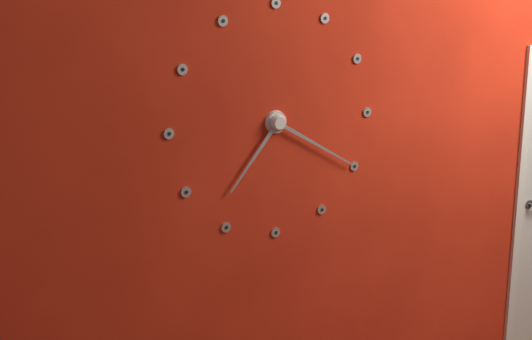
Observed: 7,20
